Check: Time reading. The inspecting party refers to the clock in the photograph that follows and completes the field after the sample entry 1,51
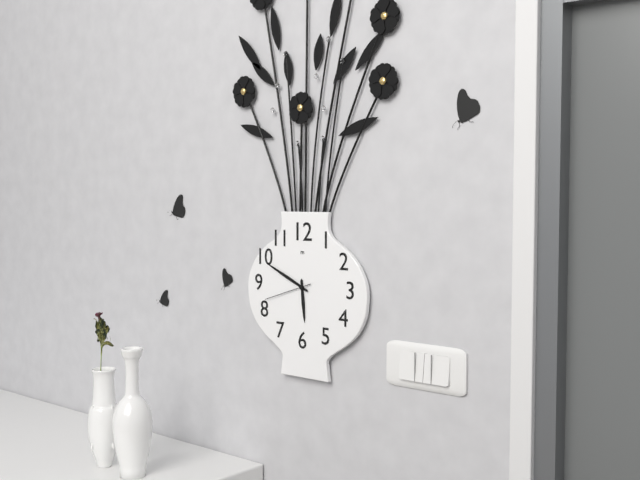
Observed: 5,49
